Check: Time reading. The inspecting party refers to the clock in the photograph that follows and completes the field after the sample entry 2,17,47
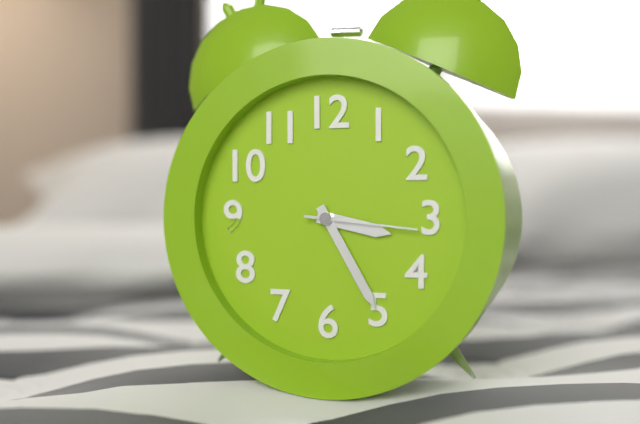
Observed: 3,25,16
